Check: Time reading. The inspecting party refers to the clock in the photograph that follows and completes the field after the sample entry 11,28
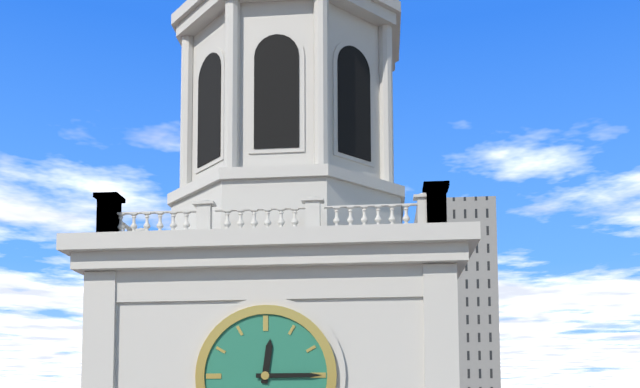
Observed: 12,15
